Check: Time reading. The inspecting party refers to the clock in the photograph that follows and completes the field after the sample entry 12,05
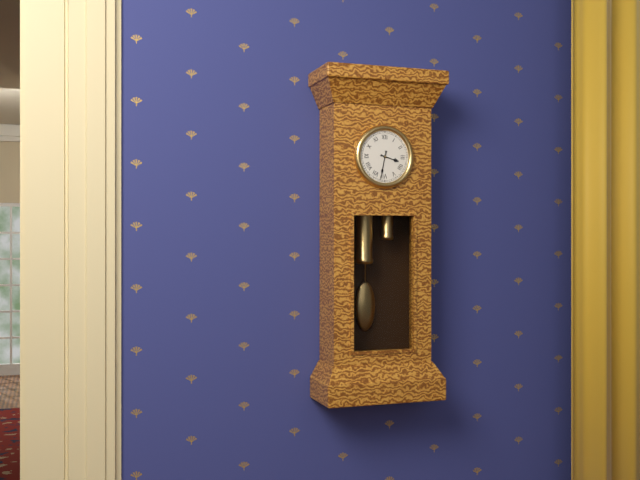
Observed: 3,32
